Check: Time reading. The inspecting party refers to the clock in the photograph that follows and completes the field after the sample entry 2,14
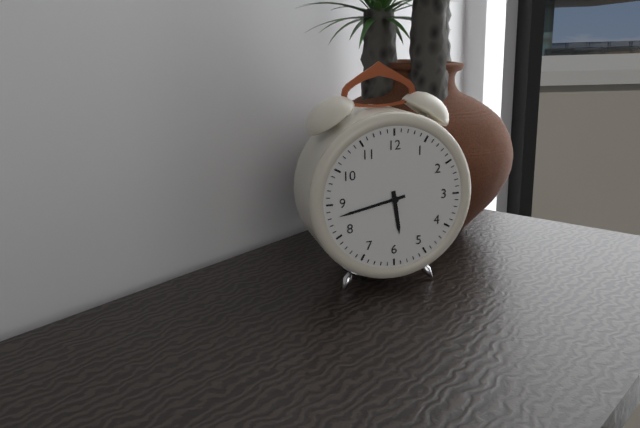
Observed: 5,43
